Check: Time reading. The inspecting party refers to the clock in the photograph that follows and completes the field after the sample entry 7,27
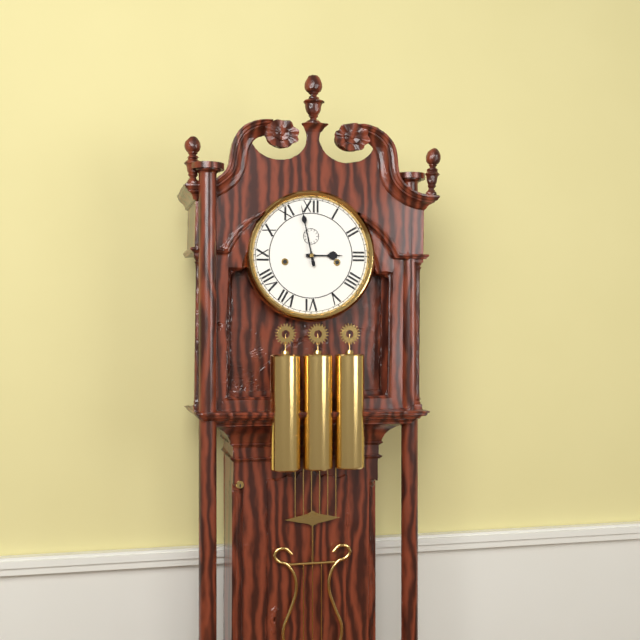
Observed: 2,58
